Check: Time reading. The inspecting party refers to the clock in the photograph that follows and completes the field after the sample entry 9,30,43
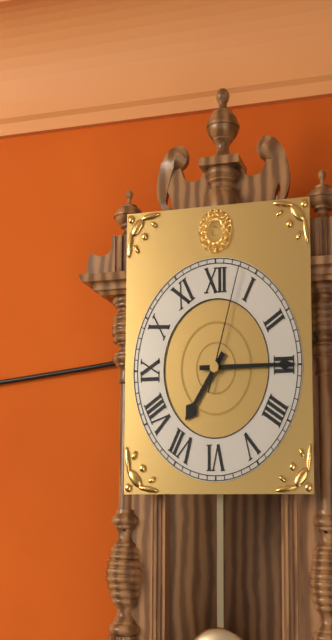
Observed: 7,15,03
